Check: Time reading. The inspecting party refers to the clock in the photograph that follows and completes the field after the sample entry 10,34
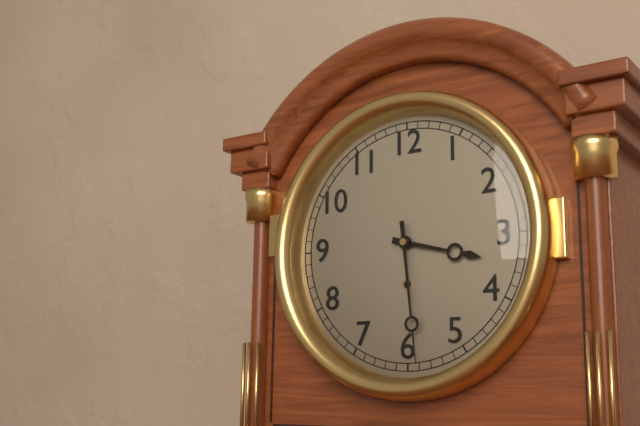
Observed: 3,29
